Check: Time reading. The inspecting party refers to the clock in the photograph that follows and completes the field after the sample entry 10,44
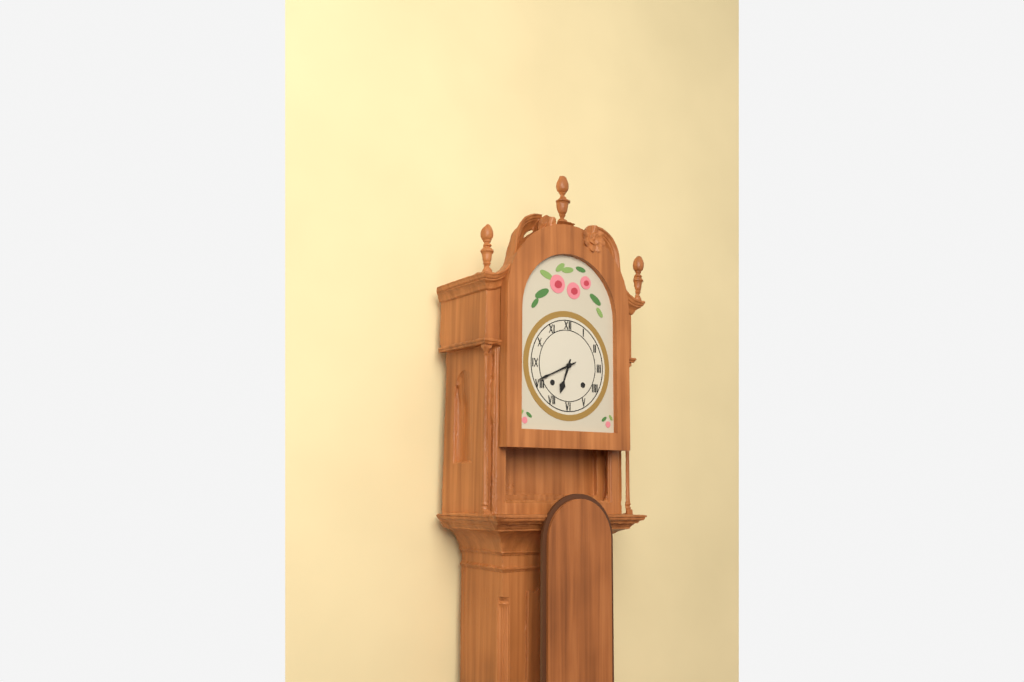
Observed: 6,41
